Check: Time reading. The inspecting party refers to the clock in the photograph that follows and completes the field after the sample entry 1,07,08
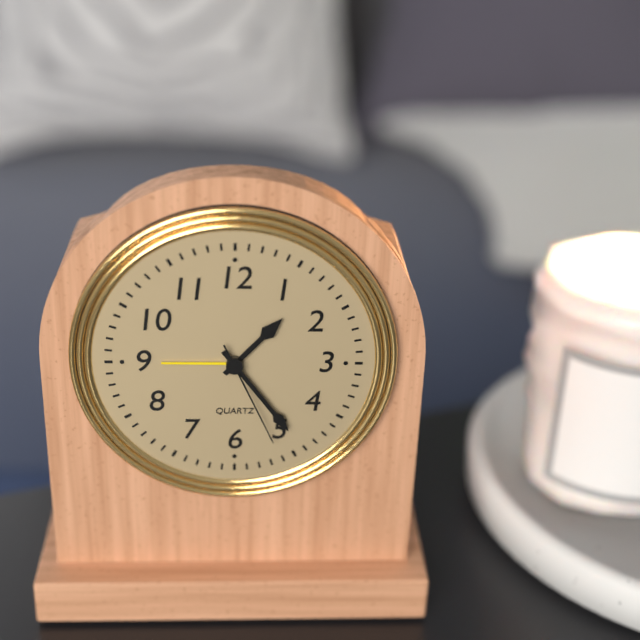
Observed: 1,24,26
